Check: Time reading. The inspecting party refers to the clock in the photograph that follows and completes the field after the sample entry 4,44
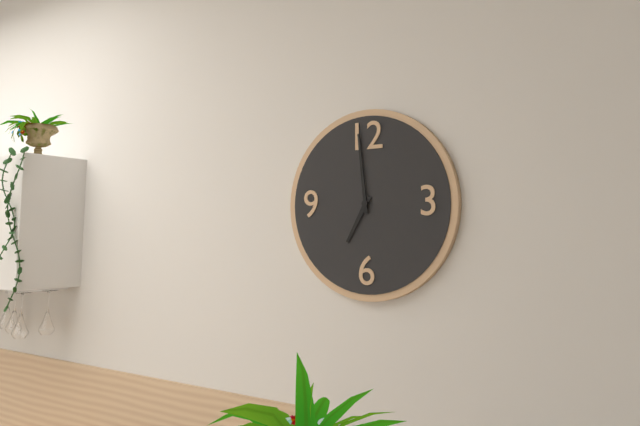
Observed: 6,59
